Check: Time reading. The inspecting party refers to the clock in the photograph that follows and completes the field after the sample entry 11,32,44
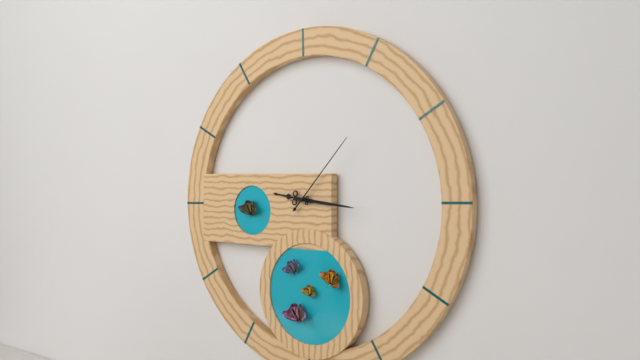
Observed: 9,16,07
